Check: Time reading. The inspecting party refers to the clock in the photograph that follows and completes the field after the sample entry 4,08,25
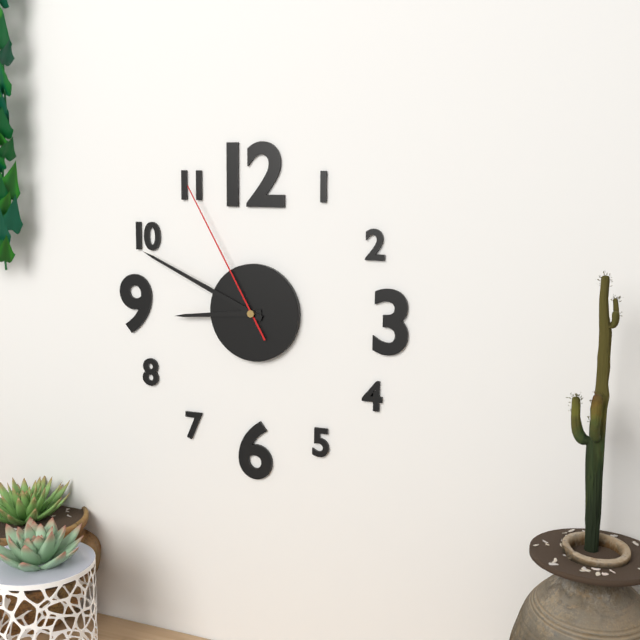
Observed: 8,49,55
